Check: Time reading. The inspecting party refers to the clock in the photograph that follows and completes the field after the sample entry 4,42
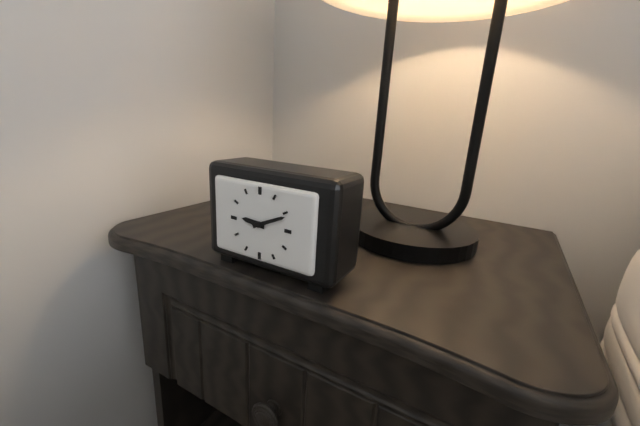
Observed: 9,11
